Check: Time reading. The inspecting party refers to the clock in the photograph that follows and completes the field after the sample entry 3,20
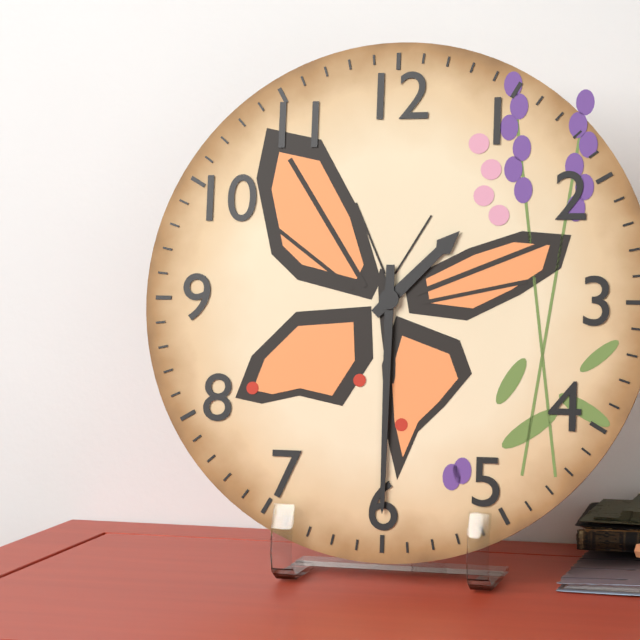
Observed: 1,30
